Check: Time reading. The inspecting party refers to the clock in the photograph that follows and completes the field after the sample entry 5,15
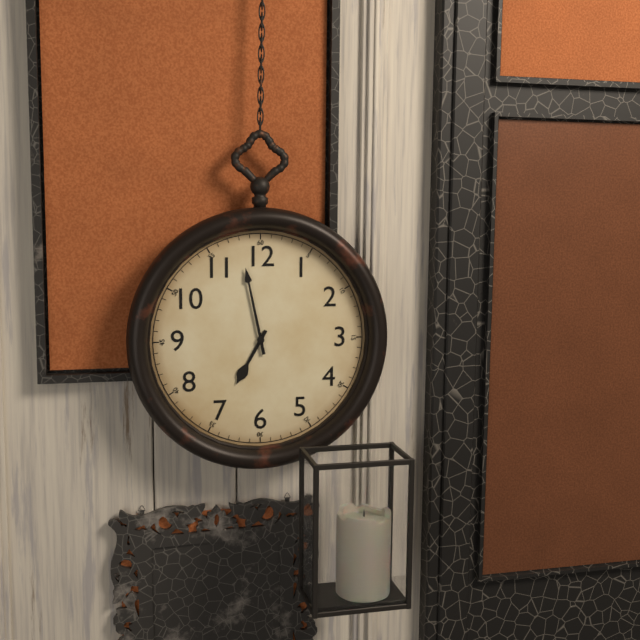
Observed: 6,58
